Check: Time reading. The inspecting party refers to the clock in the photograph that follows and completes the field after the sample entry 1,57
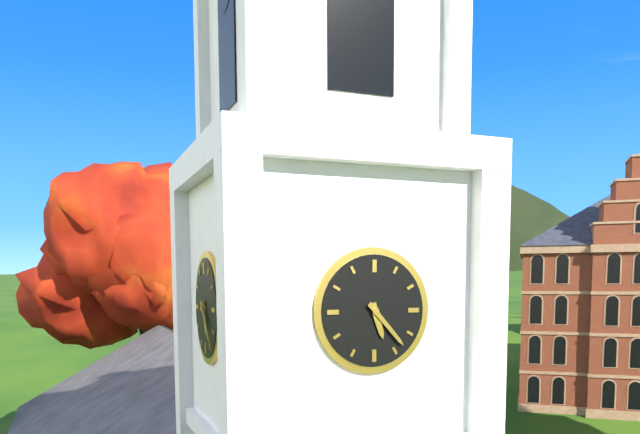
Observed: 5,23
